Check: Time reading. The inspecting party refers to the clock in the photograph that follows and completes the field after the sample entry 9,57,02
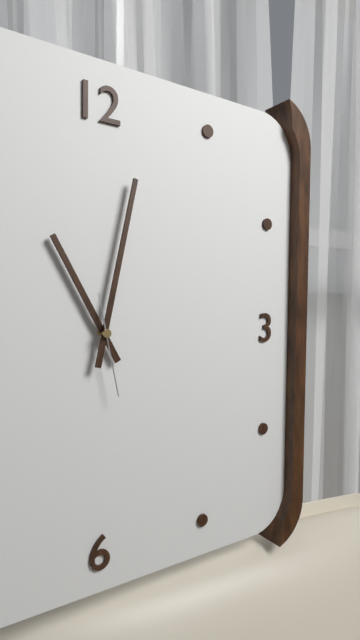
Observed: 11,02,28
